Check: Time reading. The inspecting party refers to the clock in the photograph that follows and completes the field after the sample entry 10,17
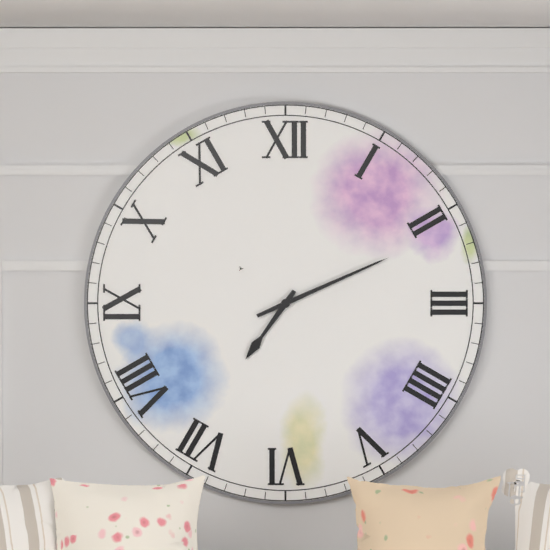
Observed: 7,11
